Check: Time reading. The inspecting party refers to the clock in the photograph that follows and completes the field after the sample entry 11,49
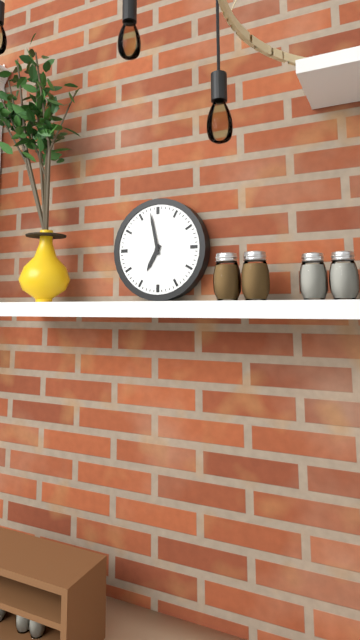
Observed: 6,58
